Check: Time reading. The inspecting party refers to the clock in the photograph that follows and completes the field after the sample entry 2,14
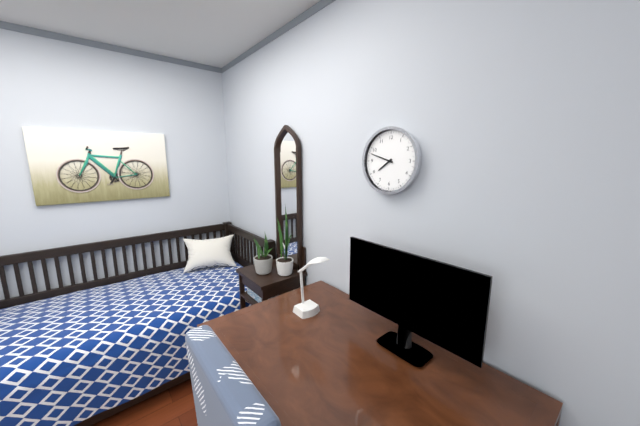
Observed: 7,48
